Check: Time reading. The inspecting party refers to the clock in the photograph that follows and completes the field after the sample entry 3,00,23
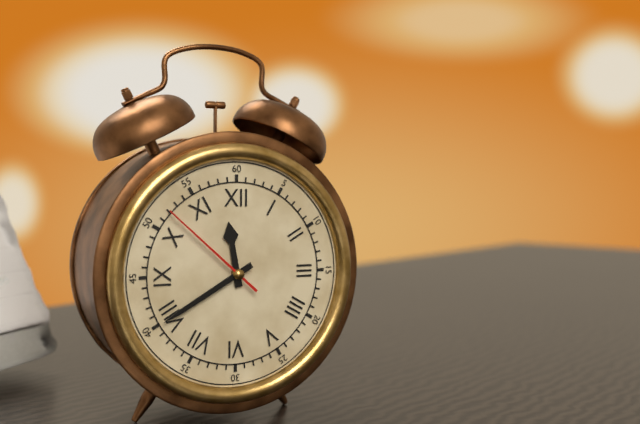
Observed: 11,40,52
